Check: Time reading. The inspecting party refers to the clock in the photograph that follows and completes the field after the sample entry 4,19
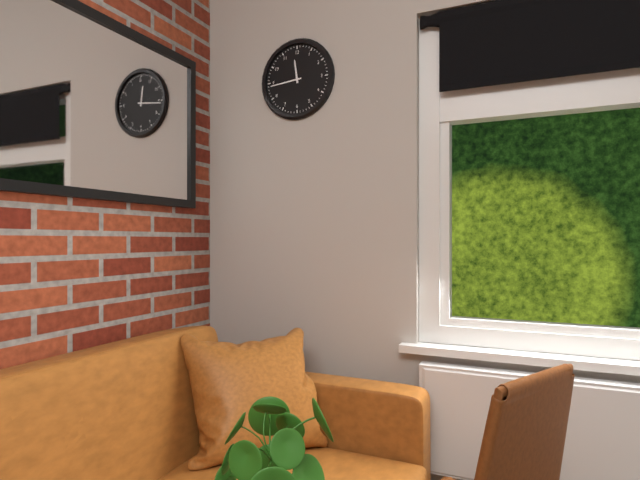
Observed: 11,44
